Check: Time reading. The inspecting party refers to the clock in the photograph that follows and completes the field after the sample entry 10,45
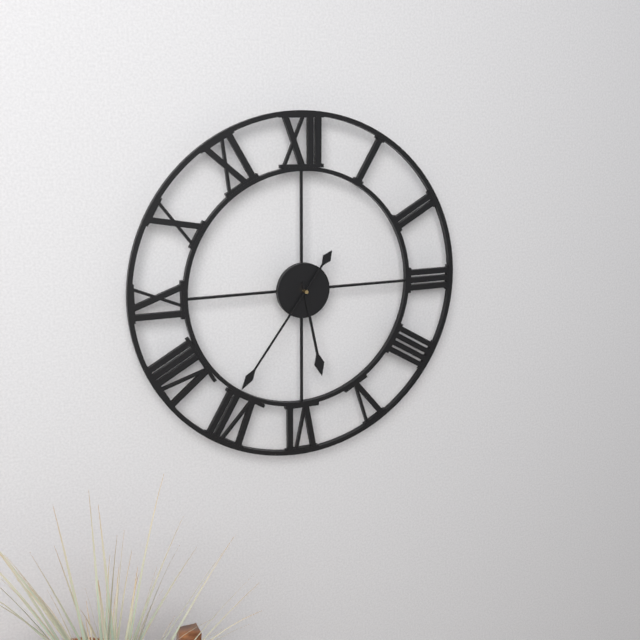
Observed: 5,36
